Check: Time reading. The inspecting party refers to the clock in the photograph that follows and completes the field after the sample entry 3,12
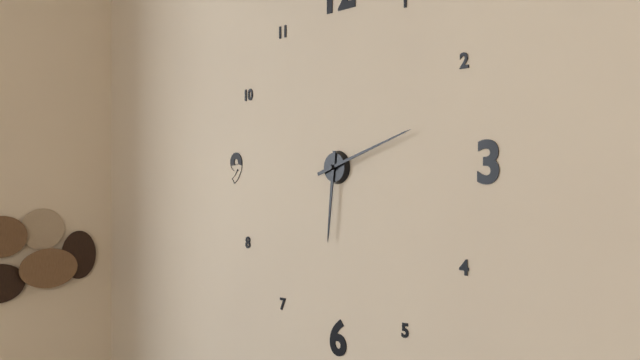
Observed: 6,12
